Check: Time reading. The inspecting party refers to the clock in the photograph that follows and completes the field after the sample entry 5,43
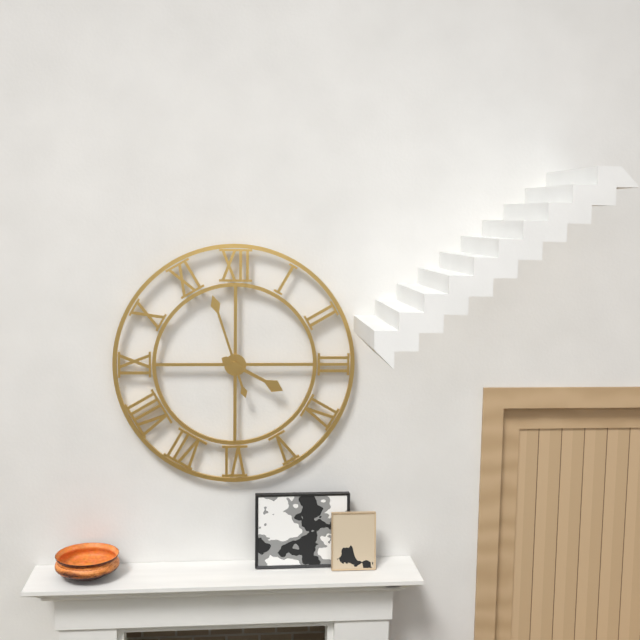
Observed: 3,57
